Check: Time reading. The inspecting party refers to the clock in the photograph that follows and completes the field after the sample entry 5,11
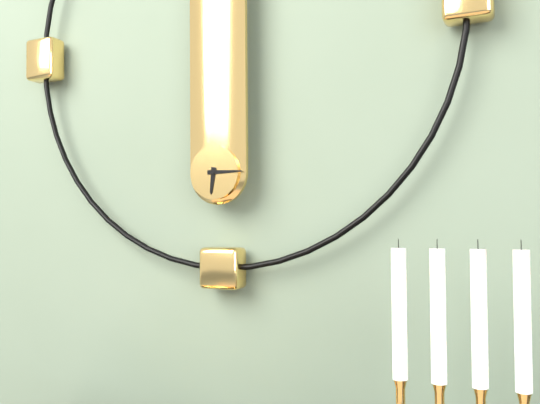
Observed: 6,15
